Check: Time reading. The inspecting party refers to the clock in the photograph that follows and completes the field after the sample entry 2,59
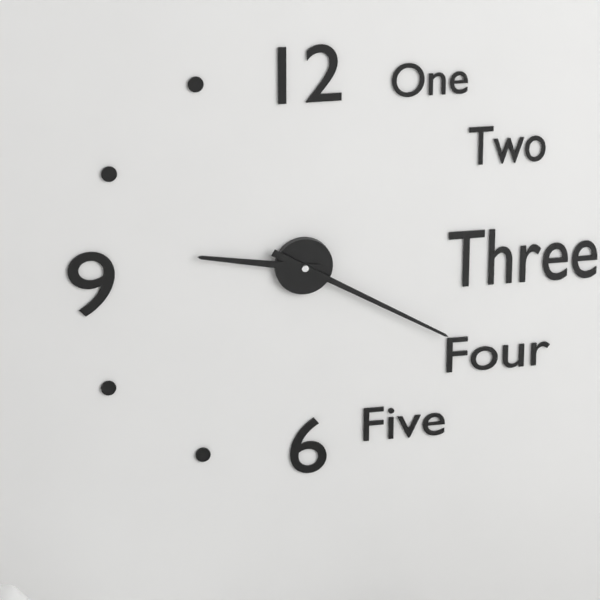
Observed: 9,20
